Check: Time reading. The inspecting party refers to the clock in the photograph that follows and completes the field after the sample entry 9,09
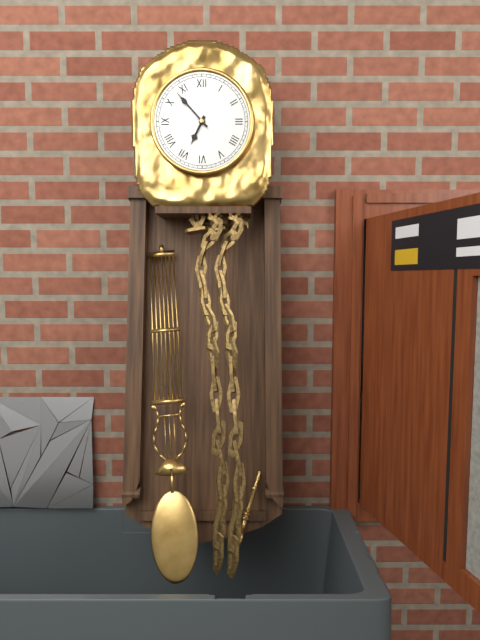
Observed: 6,53
